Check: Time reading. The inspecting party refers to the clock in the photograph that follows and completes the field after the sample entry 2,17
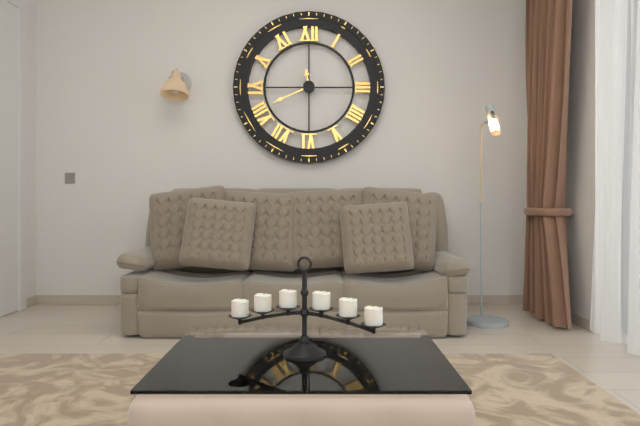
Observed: 11,41
